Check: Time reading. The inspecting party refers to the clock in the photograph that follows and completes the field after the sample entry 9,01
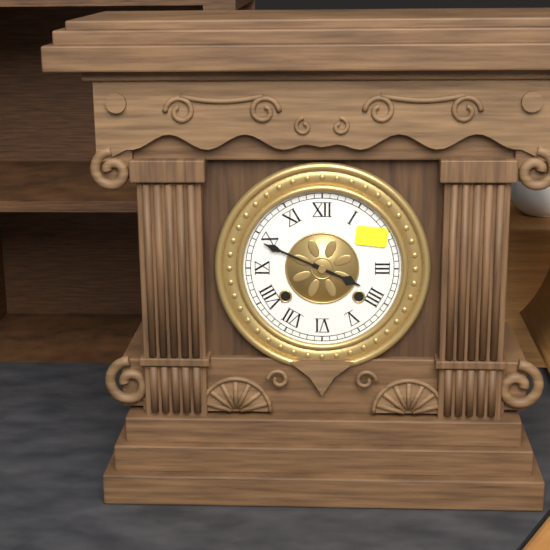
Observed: 3,49
